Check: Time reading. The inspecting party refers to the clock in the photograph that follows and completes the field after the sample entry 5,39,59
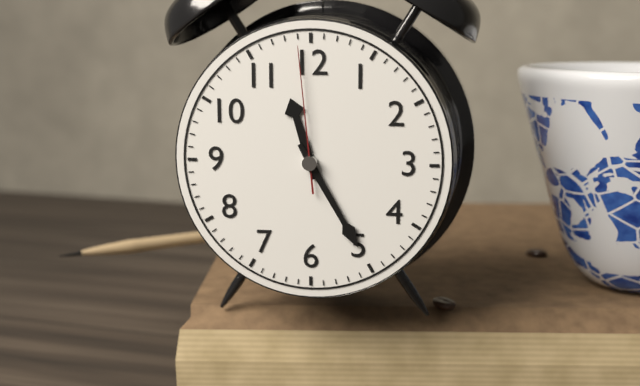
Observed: 11,25,59
